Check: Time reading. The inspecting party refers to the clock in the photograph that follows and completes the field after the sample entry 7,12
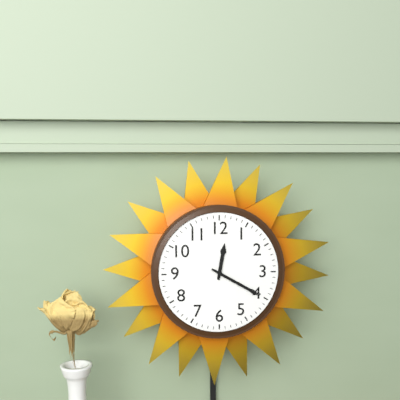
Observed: 12,20
